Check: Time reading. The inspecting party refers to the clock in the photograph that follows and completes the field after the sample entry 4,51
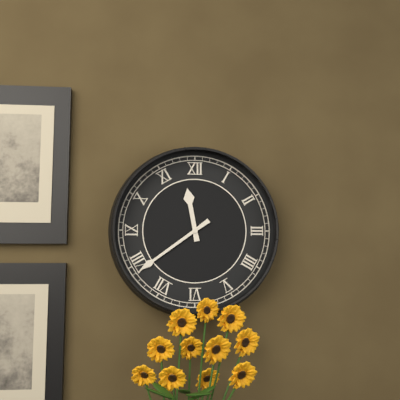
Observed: 11,39
